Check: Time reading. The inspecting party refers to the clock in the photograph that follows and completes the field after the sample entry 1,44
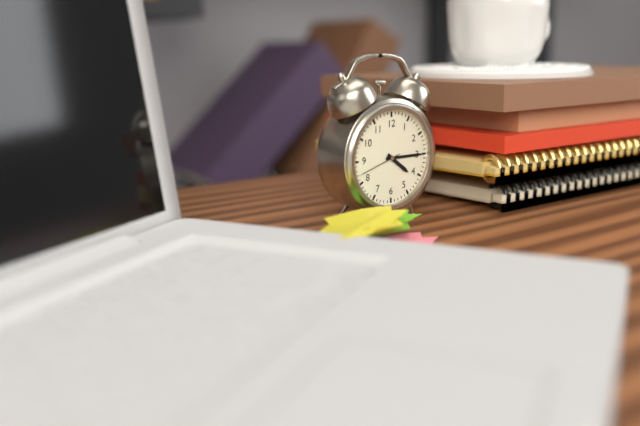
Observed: 4,15
